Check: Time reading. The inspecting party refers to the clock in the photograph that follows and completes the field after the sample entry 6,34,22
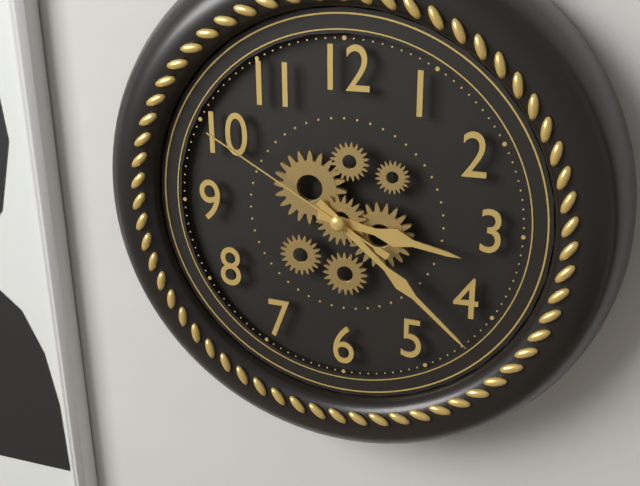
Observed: 3,22,50
